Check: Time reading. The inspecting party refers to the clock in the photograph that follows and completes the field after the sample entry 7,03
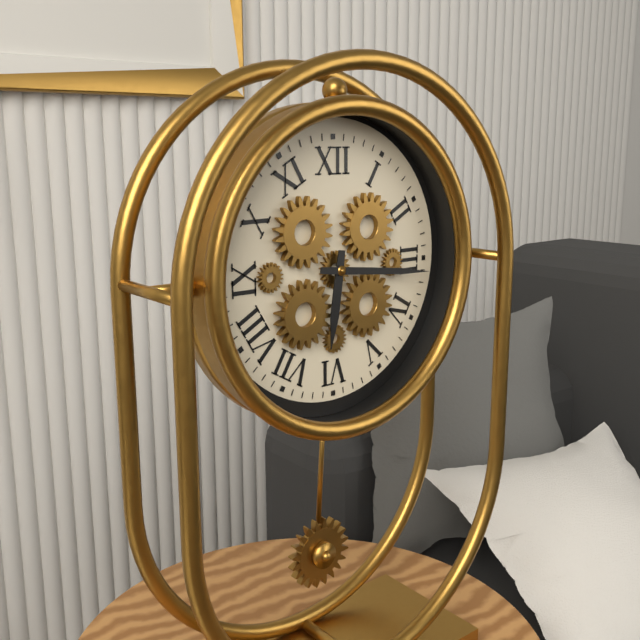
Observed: 6,16
